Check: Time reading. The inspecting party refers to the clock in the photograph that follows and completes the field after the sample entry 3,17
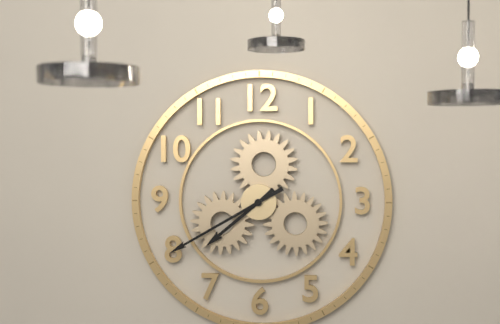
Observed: 7,40
